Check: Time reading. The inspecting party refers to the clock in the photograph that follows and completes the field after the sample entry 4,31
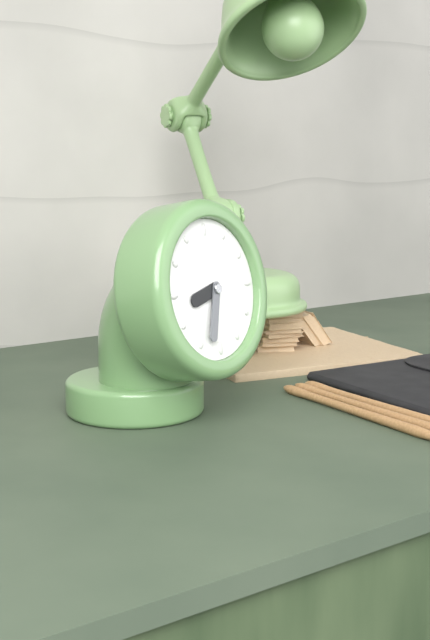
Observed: 8,33
